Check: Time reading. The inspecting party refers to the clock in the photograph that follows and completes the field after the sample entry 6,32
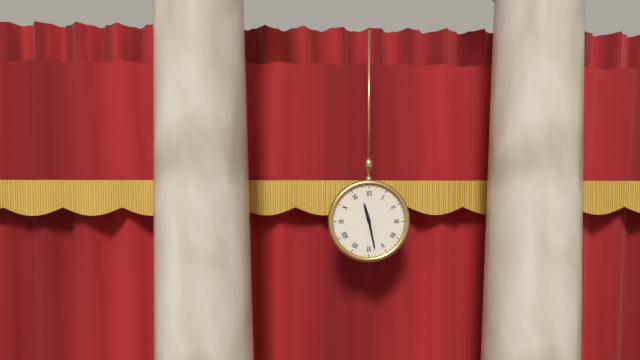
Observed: 11,28
